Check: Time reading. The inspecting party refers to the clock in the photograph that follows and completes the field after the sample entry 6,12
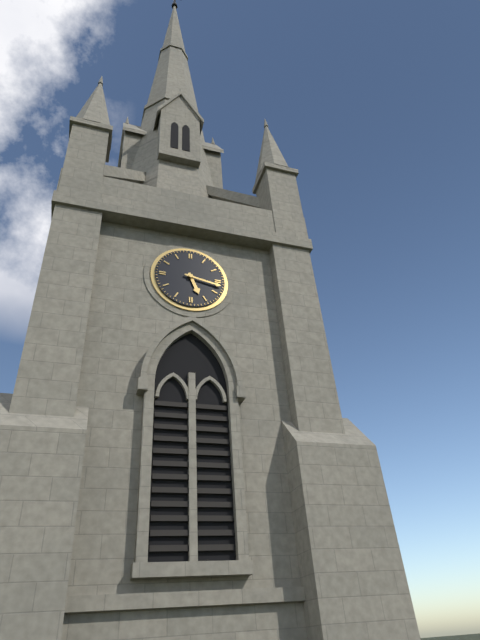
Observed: 5,17
